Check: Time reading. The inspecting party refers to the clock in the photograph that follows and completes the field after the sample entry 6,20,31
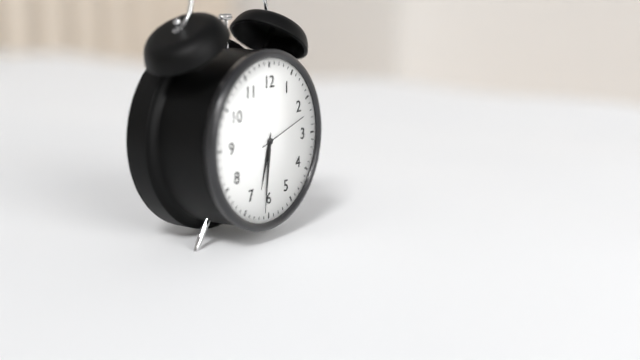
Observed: 6,31,12
